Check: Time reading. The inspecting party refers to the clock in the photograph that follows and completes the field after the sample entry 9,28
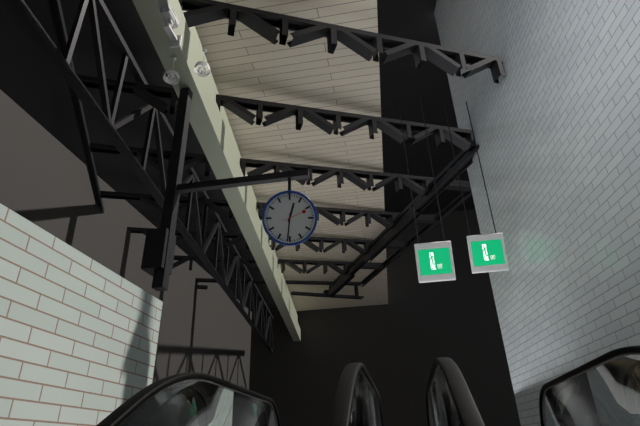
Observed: 12,31
